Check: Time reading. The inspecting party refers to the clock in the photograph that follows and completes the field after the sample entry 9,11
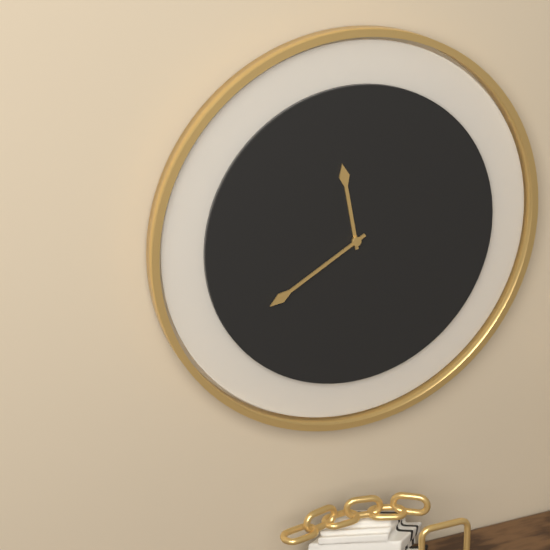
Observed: 11,40
